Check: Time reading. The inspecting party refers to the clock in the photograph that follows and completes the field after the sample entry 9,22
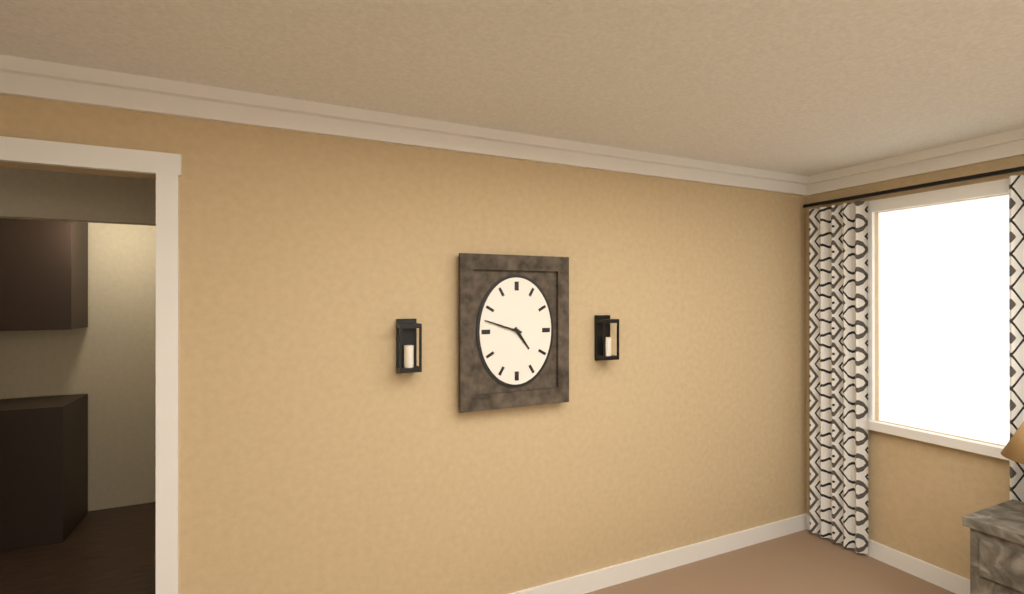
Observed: 4,48
